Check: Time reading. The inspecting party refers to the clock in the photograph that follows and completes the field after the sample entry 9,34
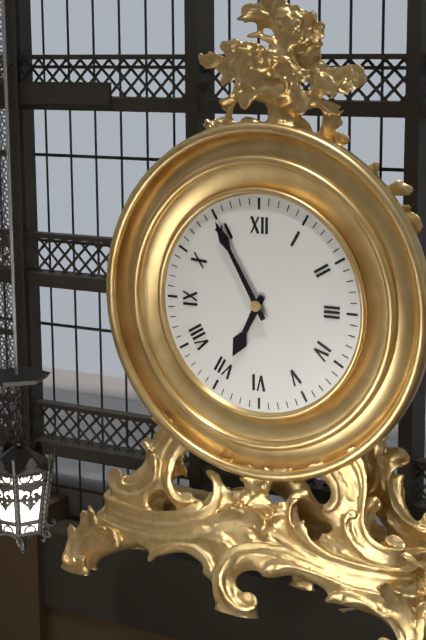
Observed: 6,55
